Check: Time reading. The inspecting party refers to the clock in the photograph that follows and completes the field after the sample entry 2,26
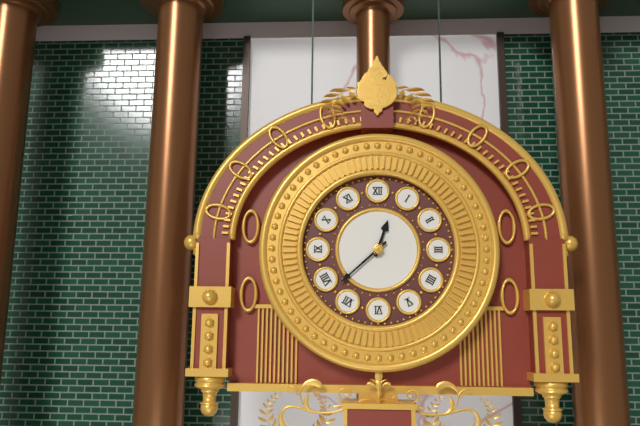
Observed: 12,38
